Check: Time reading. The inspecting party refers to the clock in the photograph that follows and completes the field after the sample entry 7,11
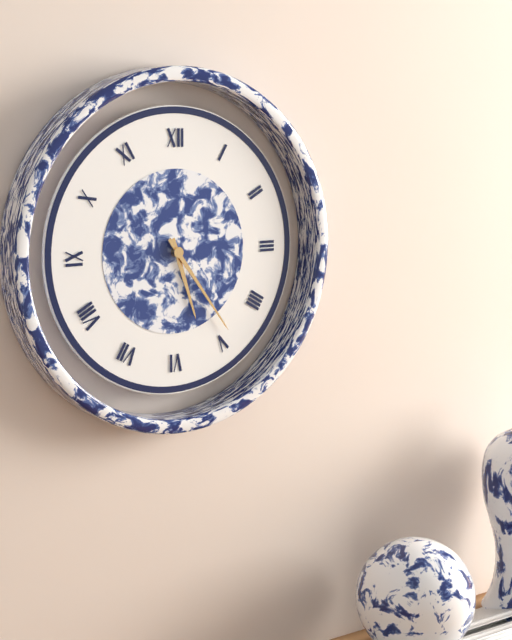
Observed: 5,24
